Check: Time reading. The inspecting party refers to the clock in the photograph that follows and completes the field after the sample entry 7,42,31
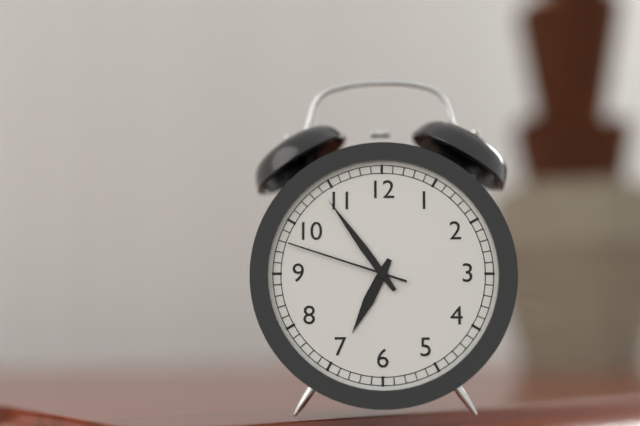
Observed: 6,54,48
